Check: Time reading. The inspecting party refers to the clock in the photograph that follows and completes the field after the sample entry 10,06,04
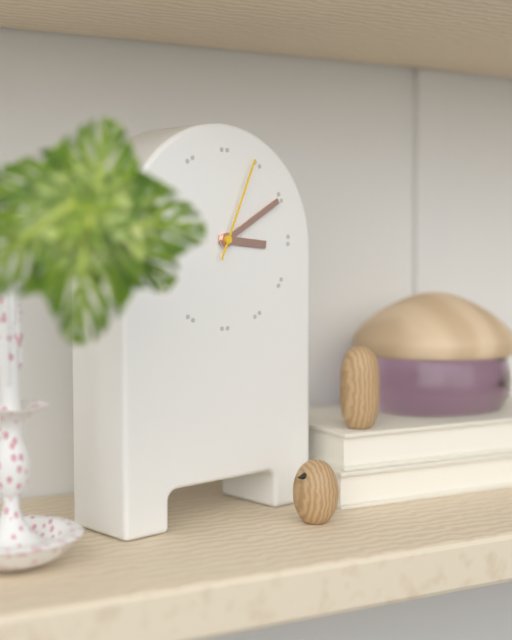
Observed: 3,10,04
